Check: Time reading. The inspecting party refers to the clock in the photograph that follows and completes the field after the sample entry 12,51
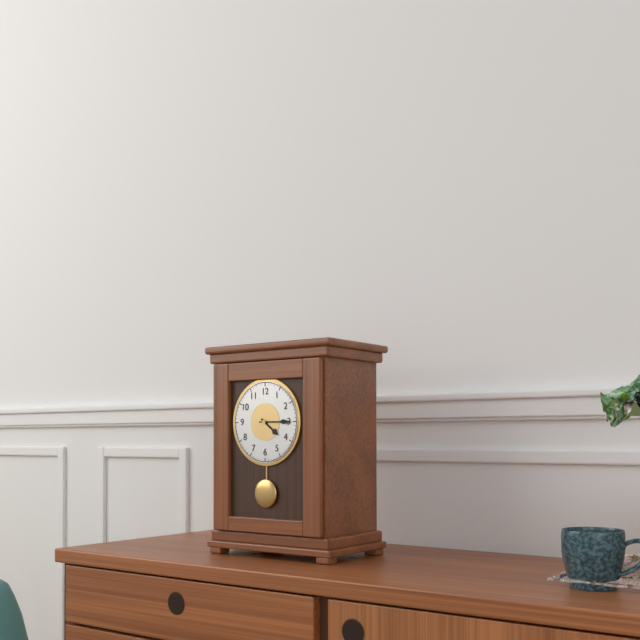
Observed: 4,15
